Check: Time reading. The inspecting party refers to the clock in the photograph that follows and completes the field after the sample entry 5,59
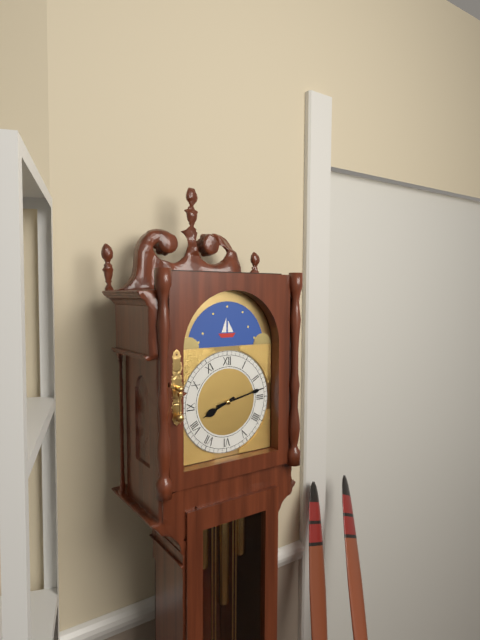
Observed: 8,13
